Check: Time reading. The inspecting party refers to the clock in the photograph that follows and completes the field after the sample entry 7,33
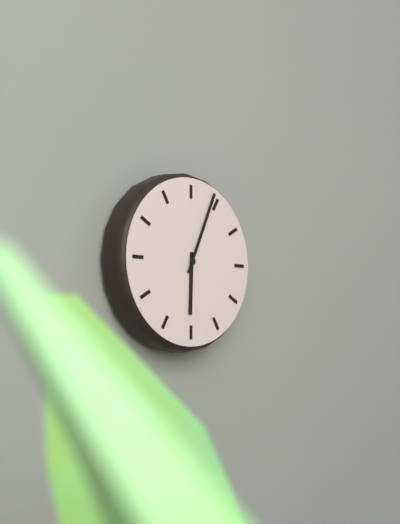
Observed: 6,04
